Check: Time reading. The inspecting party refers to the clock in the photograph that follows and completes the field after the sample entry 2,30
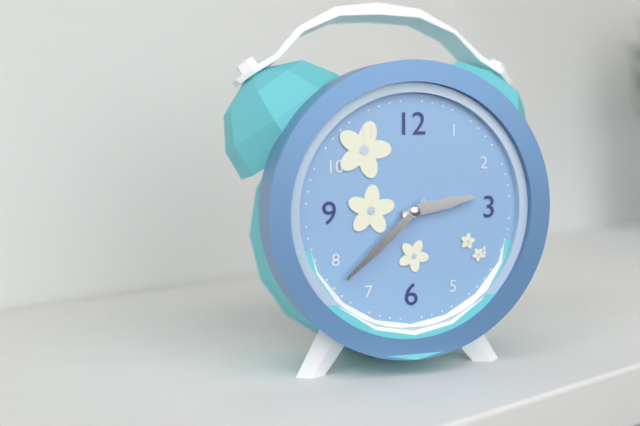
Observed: 2,38
